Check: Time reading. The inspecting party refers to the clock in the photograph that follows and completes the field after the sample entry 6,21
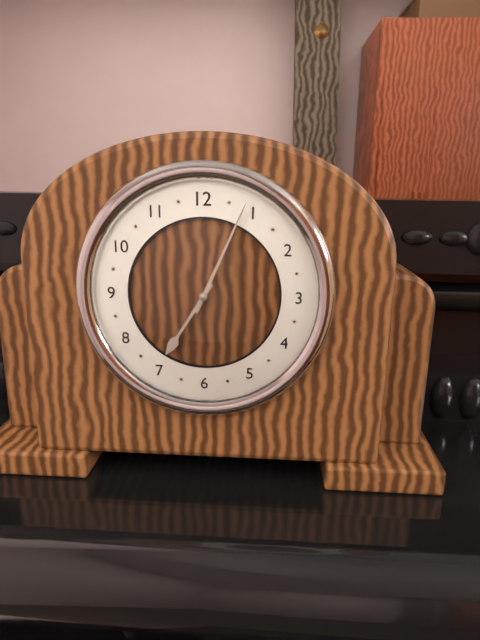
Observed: 7,04
